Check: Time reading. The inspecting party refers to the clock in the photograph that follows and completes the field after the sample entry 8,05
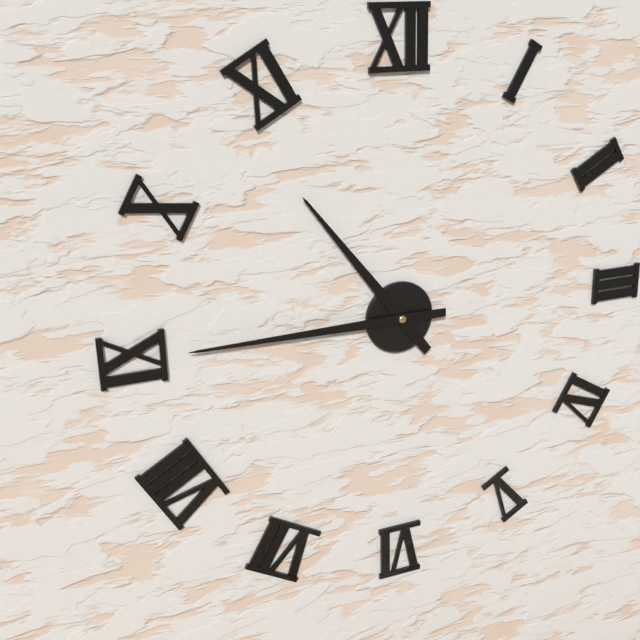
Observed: 10,45
